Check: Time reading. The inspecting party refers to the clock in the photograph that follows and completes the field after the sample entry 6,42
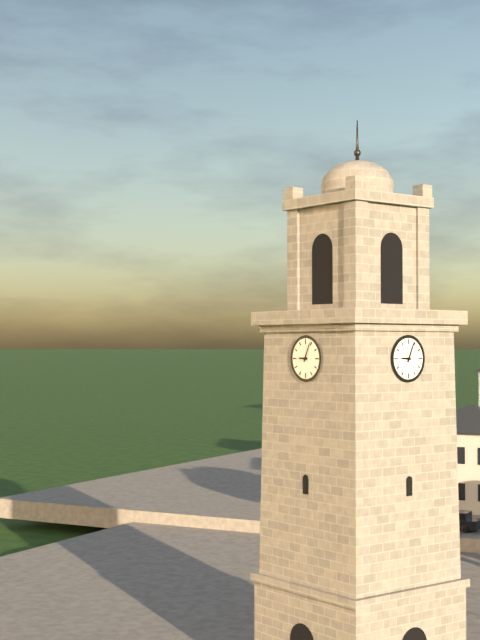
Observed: 9,04
